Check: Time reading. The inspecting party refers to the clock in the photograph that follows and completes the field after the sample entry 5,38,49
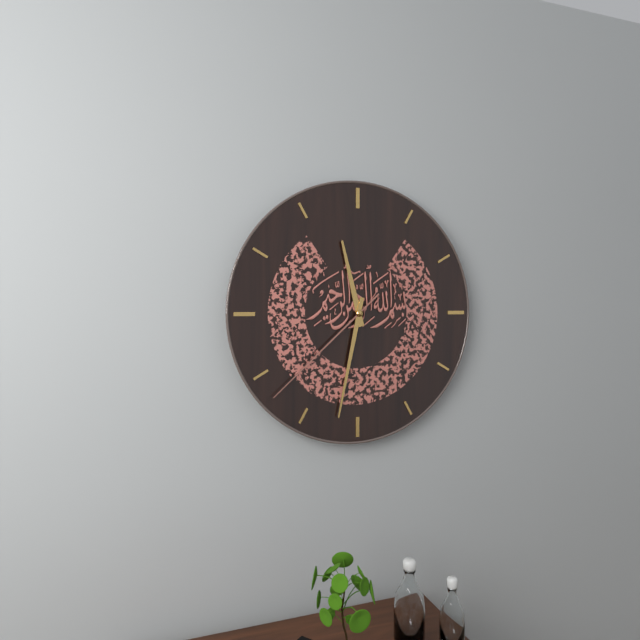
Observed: 11,32,38
